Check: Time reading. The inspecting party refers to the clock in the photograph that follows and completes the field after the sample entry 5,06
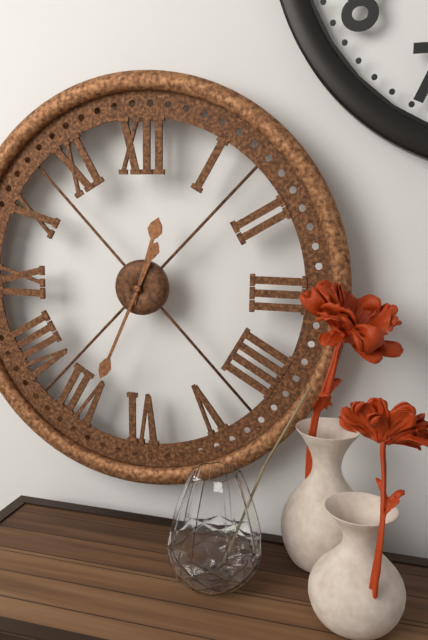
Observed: 12,34
